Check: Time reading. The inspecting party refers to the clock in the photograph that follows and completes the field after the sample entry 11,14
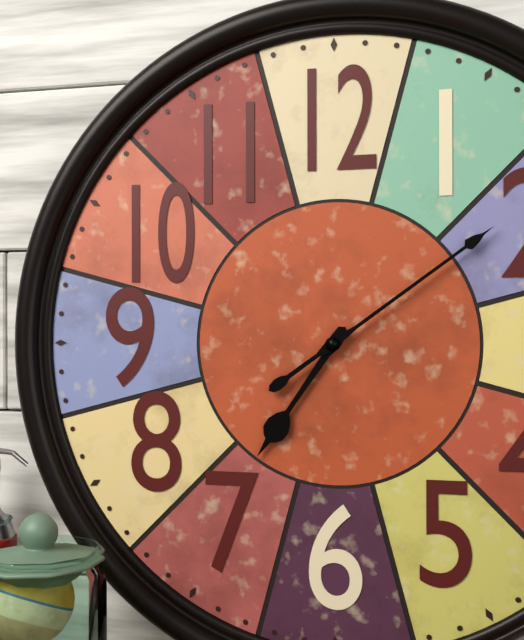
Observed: 7,09
